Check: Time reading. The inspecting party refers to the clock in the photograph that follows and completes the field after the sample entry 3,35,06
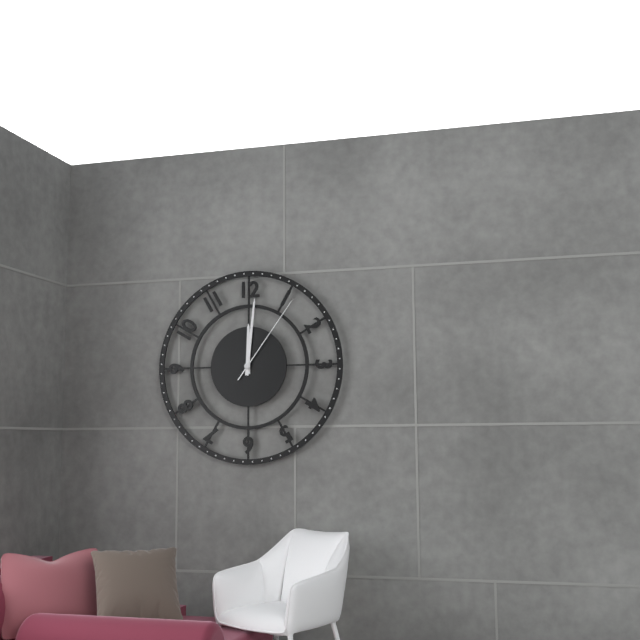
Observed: 12,01,06
